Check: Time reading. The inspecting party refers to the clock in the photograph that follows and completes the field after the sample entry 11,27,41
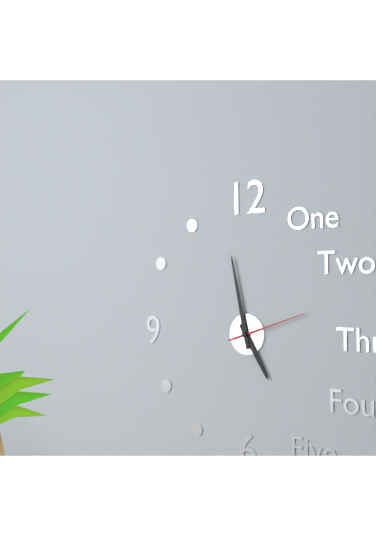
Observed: 4,58,12
